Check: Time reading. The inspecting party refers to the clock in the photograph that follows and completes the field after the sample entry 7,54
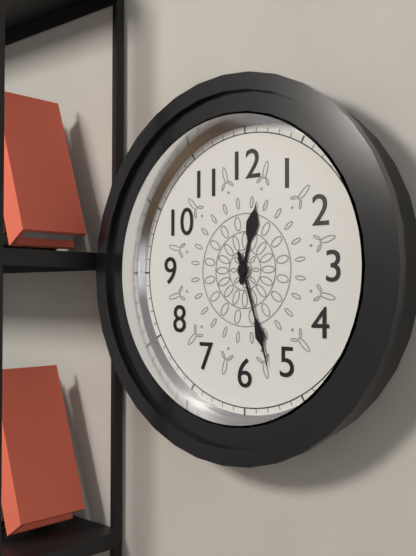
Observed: 12,27
